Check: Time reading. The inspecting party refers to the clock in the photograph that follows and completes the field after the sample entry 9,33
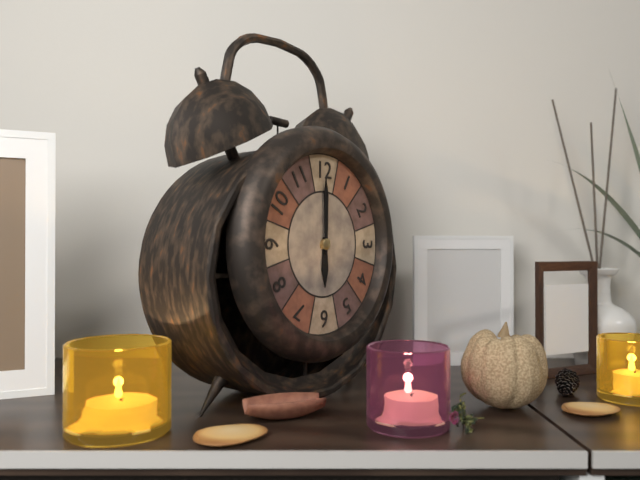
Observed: 6,00
